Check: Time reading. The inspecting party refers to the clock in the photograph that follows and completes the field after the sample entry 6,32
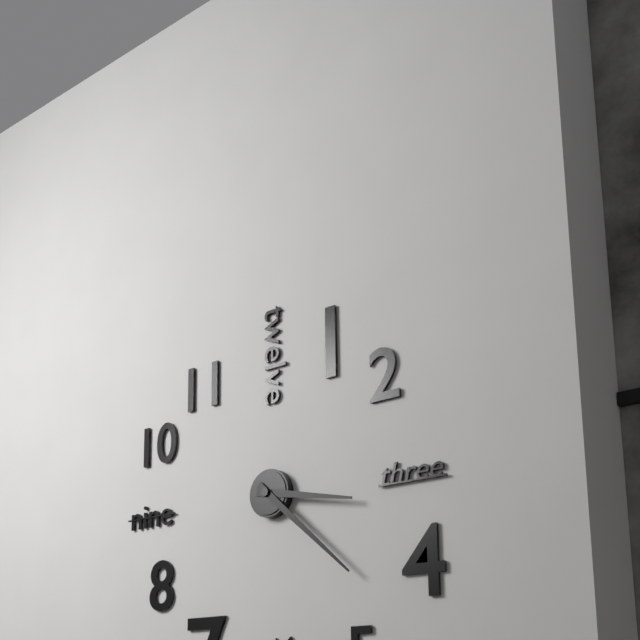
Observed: 3,22
